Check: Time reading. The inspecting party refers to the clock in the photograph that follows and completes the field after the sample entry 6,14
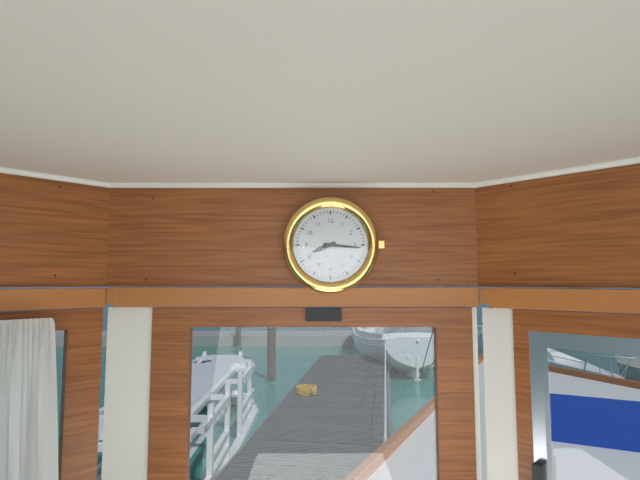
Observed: 8,16
